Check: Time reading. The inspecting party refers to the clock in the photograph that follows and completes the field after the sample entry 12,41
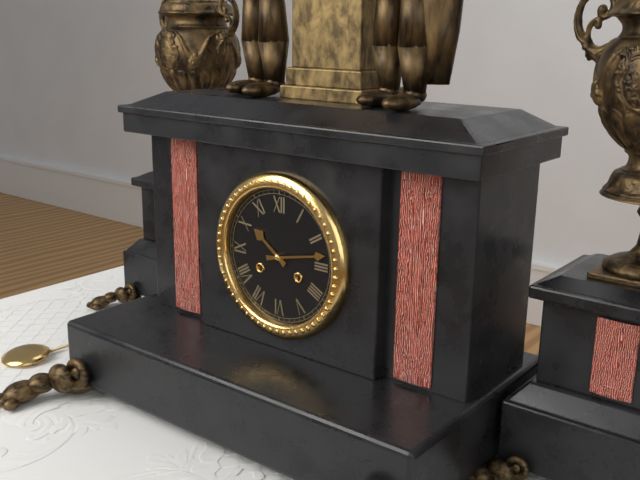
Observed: 10,13
